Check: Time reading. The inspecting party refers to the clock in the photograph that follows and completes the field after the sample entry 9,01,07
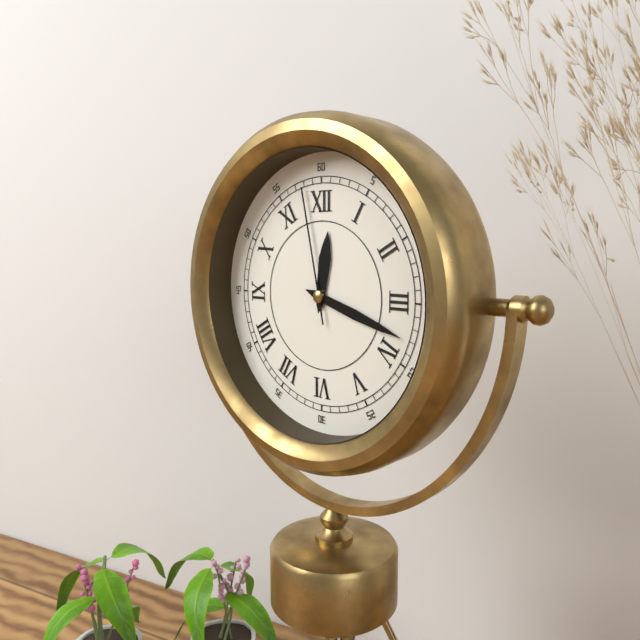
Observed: 12,18,58
